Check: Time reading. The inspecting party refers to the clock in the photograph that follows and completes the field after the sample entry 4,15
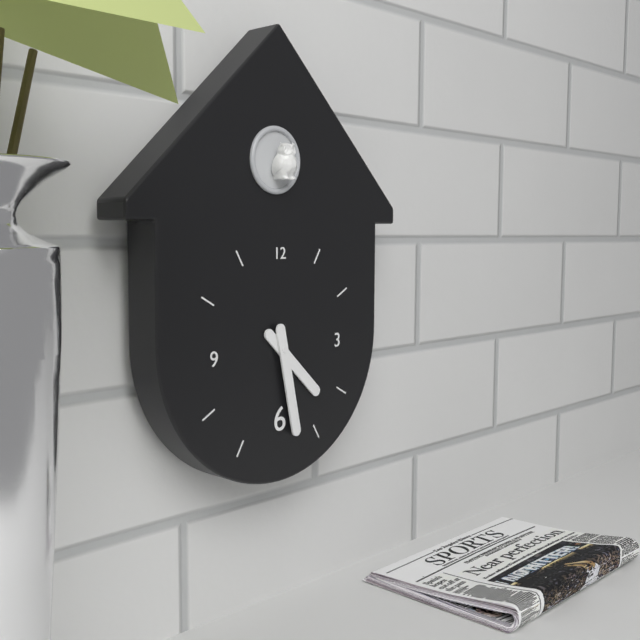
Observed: 4,28
